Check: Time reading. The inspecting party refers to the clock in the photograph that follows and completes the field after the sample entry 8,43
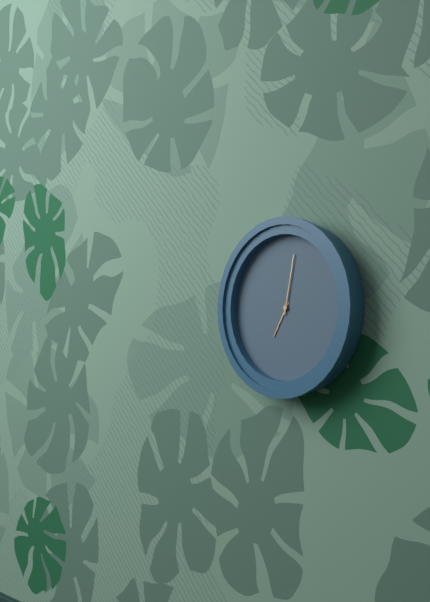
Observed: 7,02
